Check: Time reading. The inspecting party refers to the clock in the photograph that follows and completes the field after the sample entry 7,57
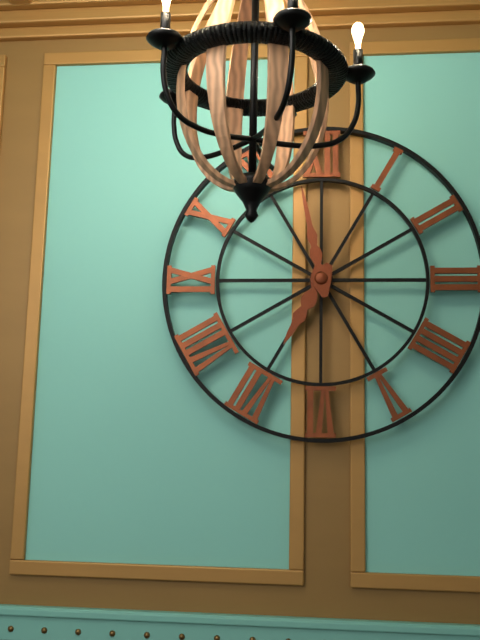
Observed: 6,58
